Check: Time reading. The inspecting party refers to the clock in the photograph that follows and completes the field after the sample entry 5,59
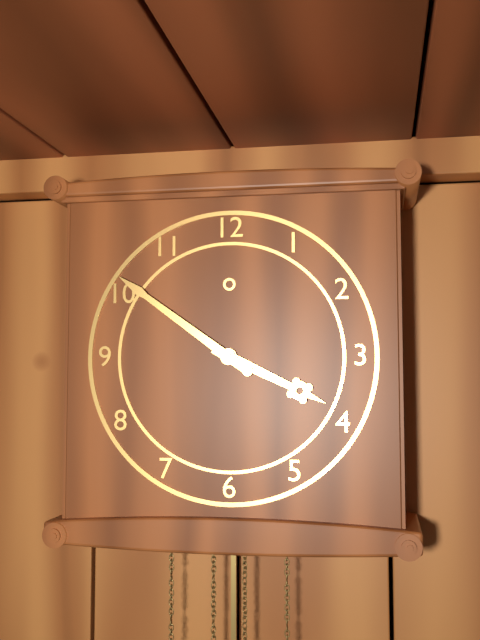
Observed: 3,51
